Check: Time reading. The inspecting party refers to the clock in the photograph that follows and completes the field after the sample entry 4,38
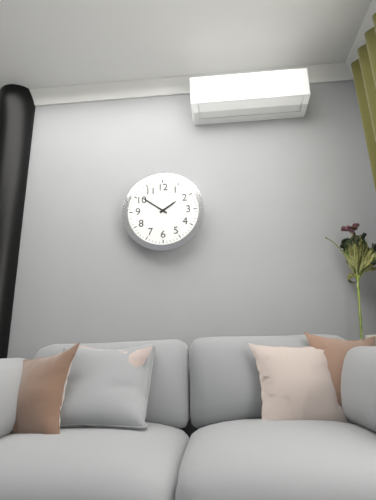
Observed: 1,51
